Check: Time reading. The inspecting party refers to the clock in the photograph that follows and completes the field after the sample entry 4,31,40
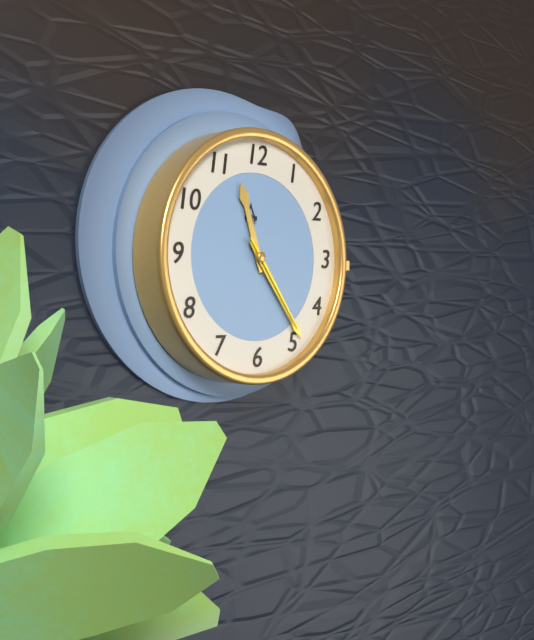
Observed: 11,24,24
